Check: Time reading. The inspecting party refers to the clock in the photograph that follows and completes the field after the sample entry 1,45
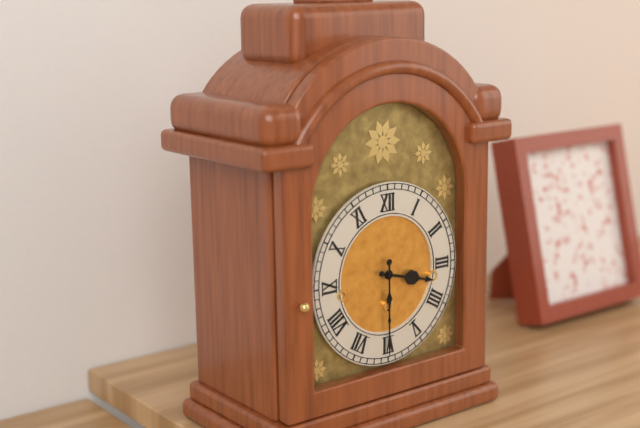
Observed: 3,30
